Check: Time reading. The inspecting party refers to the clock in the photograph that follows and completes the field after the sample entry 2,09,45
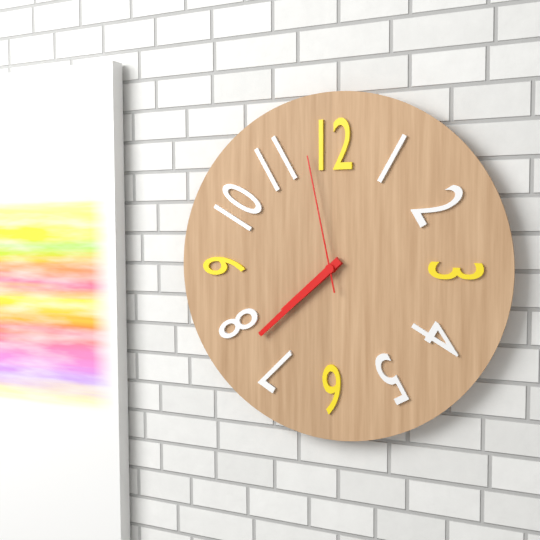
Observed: 7,38,58
